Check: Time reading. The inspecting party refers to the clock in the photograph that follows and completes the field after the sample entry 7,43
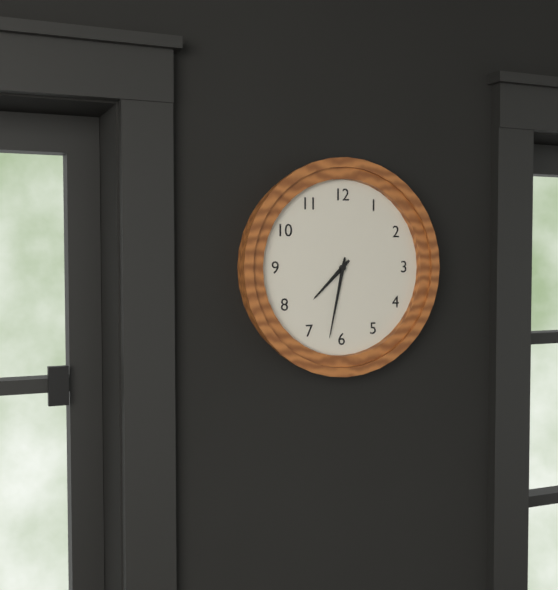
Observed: 7,32
